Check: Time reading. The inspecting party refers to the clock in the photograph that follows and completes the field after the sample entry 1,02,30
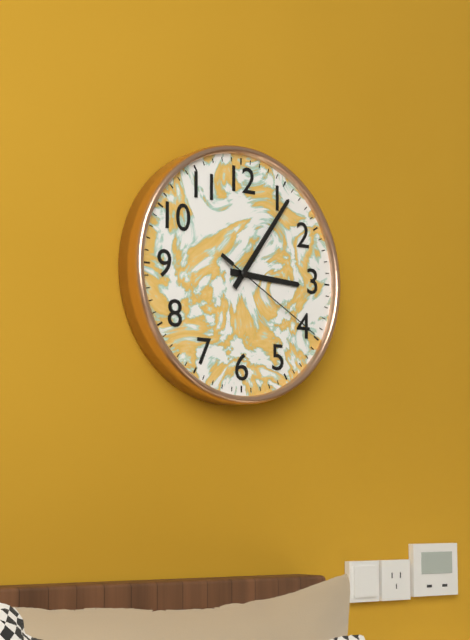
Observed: 3,06,20
